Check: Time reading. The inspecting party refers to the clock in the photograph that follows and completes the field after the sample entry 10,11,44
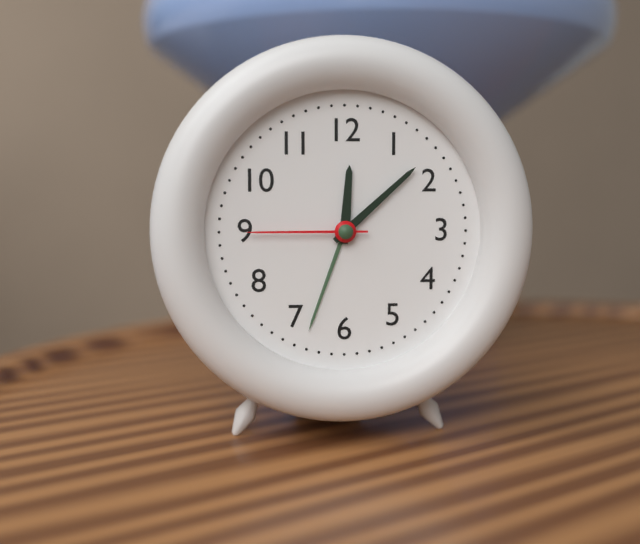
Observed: 12,08,45
